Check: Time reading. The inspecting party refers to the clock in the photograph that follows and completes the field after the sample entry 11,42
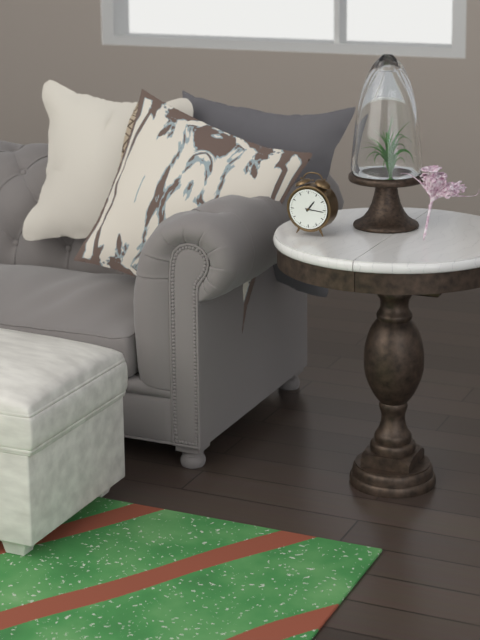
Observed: 1,16
